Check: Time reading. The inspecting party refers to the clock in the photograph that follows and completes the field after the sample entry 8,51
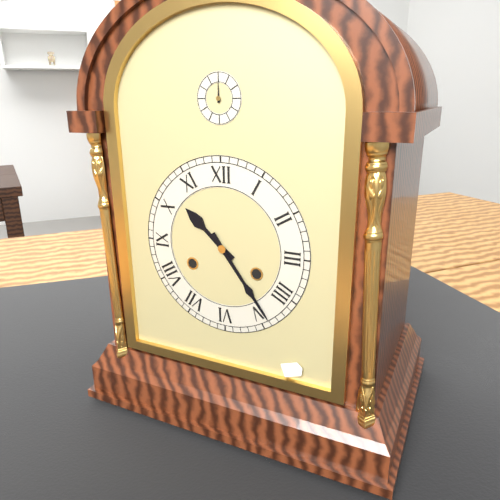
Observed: 10,24
